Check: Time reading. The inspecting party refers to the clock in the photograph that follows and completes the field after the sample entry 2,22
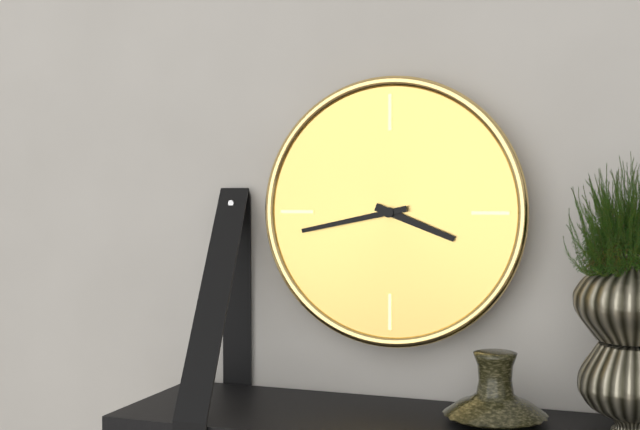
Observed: 3,43
